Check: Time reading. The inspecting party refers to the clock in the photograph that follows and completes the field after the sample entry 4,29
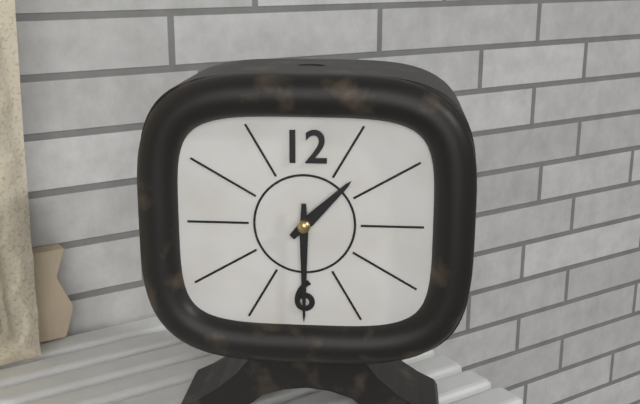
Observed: 1,30
